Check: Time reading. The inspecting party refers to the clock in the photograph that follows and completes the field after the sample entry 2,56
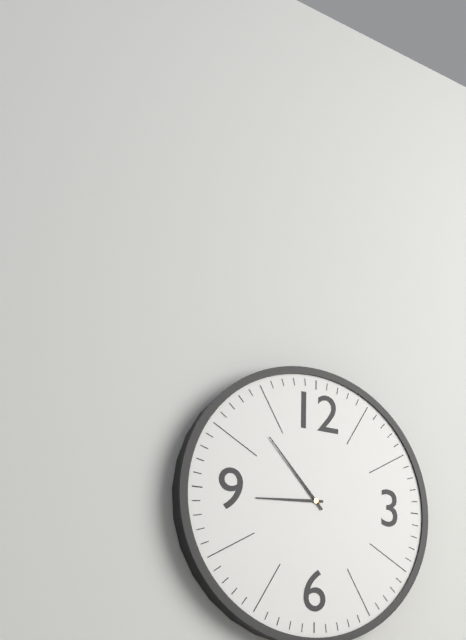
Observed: 8,53
